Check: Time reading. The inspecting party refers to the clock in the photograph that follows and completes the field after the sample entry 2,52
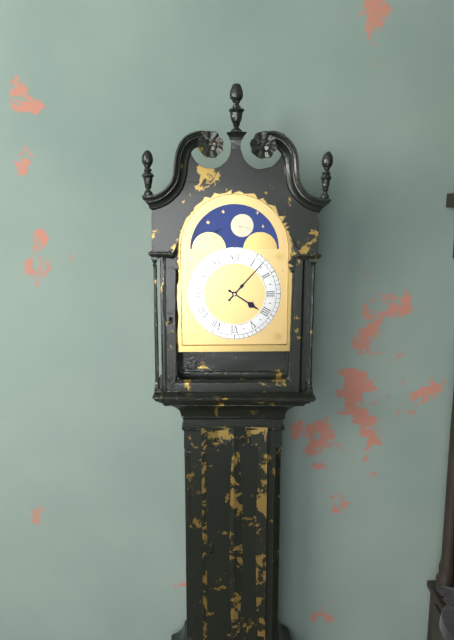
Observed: 4,07
